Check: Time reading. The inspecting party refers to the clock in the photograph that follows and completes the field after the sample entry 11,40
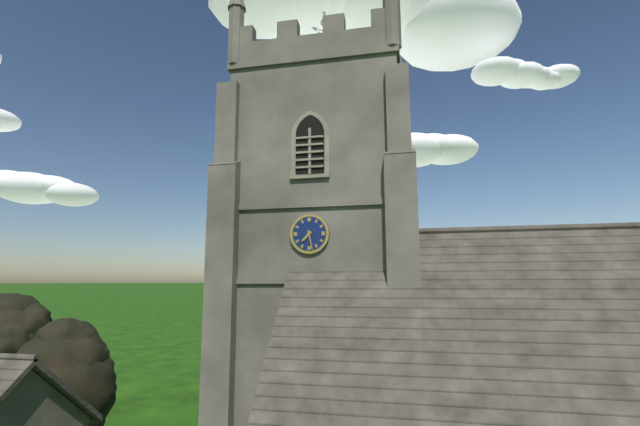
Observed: 7,28
